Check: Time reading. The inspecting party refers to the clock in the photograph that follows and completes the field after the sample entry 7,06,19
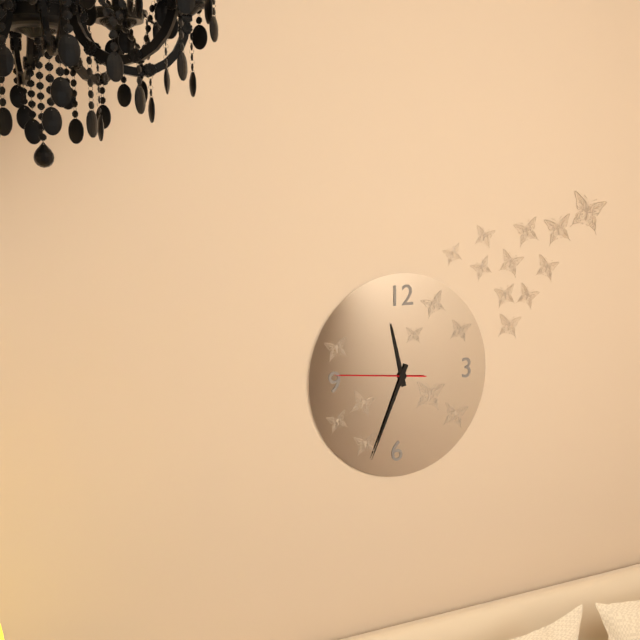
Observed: 11,34,46
